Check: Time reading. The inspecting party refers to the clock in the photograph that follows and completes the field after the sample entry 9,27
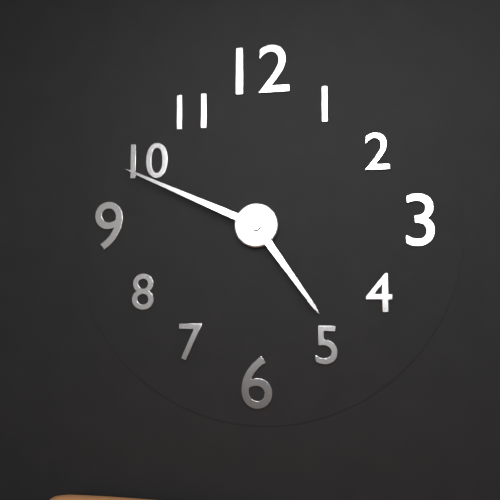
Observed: 4,49
